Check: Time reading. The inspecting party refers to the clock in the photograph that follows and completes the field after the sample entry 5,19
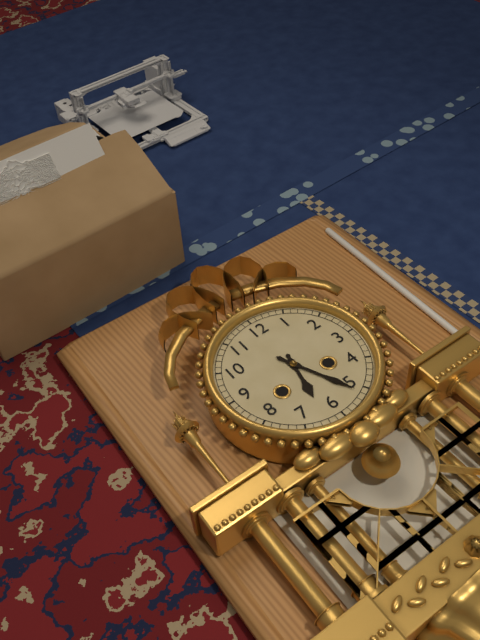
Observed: 6,26
